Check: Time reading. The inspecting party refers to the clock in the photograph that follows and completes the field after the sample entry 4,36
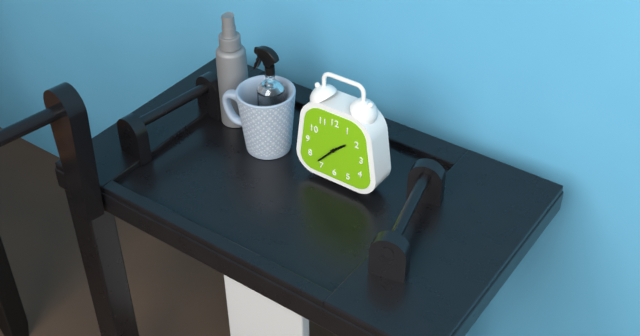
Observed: 1,37
